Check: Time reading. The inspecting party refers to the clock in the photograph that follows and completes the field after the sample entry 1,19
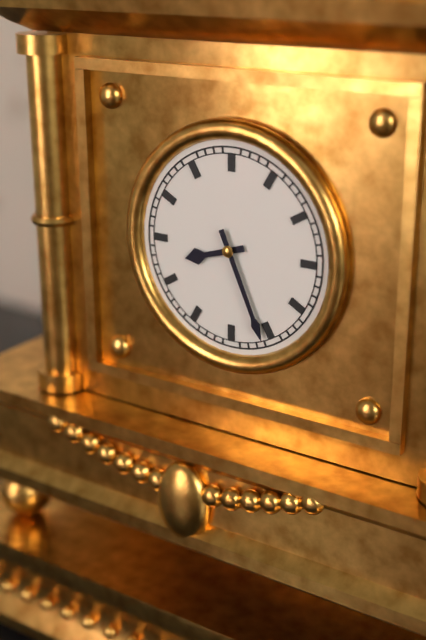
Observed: 8,26
